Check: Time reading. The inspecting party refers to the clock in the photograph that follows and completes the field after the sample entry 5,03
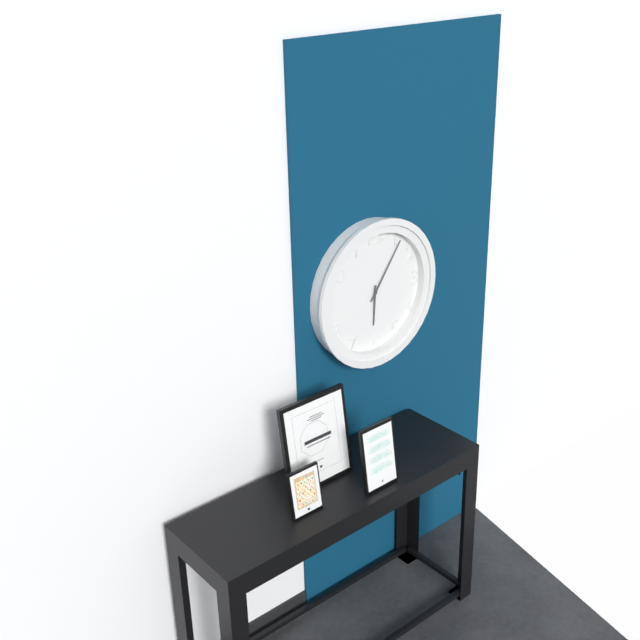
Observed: 6,06
